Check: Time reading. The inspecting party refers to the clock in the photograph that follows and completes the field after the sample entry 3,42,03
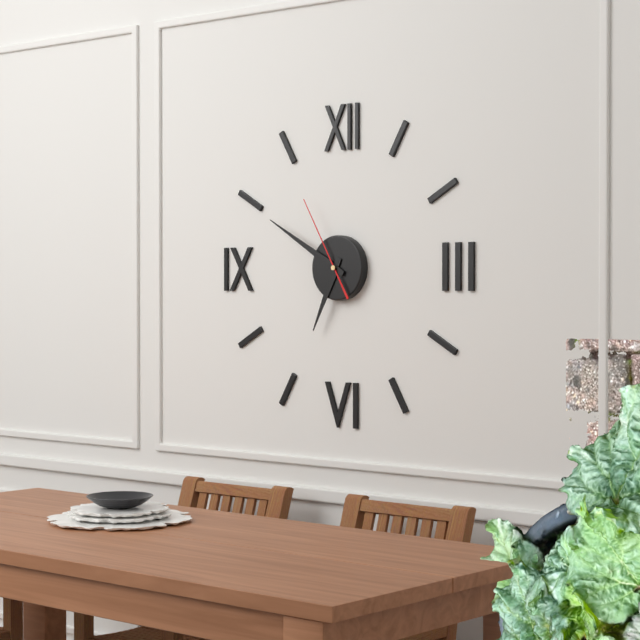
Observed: 6,50,55
